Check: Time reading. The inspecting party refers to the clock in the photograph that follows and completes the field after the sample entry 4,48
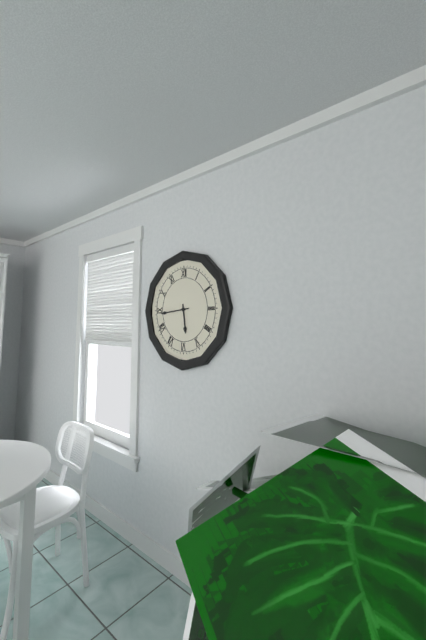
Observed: 5,44
